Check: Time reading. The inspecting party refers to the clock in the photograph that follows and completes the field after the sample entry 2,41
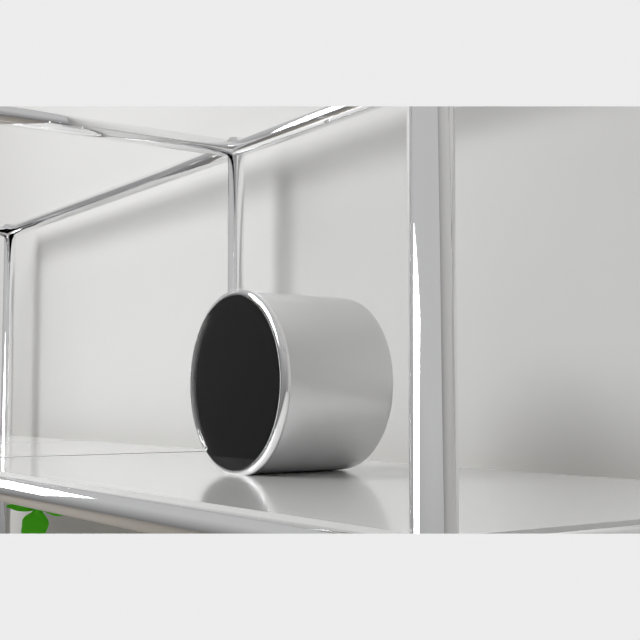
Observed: 6,16
